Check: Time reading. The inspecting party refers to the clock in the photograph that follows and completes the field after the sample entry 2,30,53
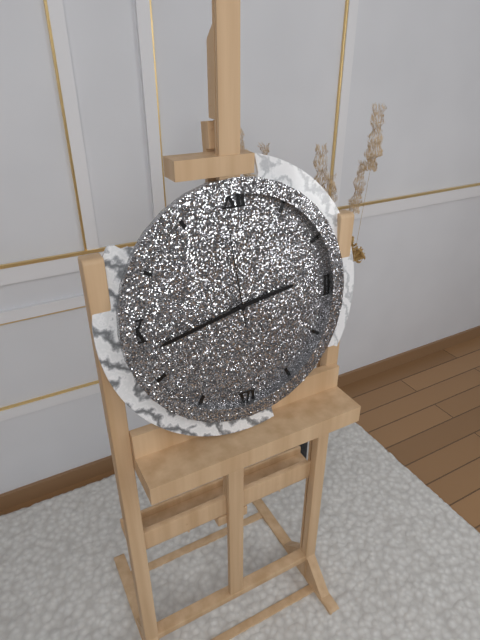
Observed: 2,43,59
